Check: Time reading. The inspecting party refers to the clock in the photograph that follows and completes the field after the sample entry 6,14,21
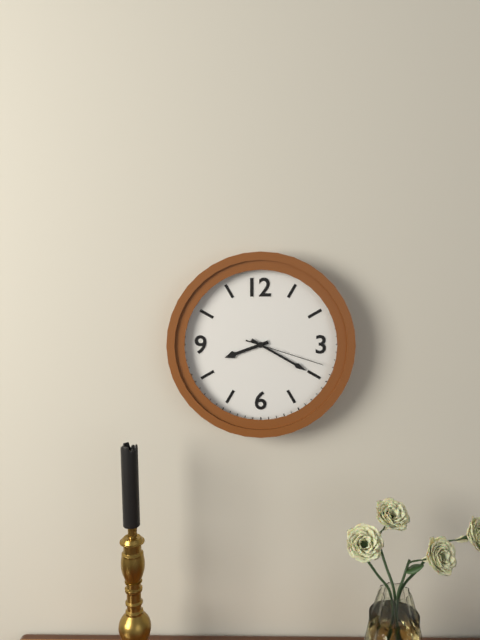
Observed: 8,20,18
